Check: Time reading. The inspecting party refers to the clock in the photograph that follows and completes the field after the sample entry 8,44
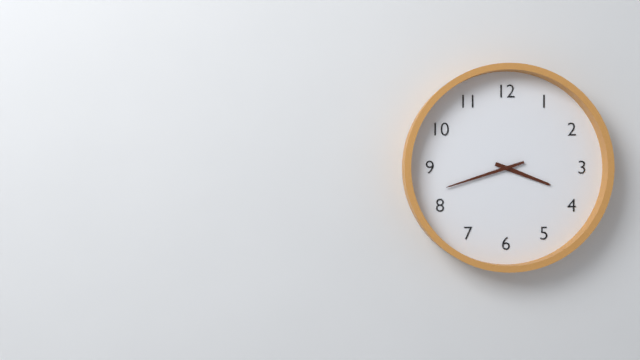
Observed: 3,42
